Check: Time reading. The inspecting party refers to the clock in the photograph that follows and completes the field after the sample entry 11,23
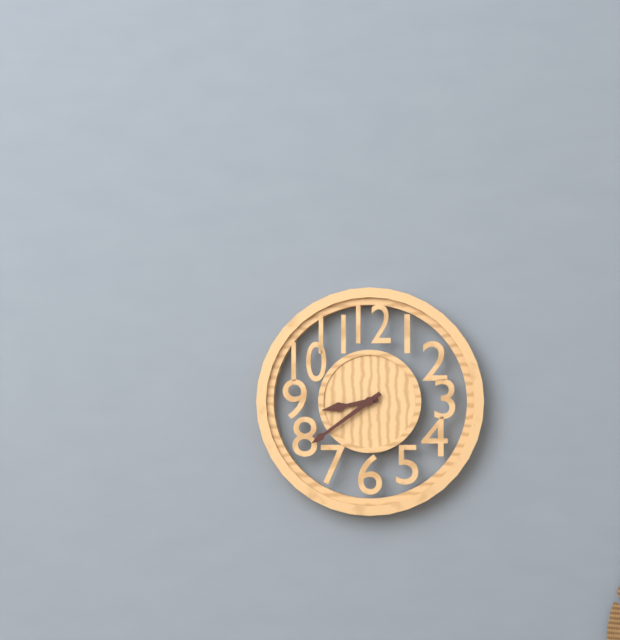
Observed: 8,39
